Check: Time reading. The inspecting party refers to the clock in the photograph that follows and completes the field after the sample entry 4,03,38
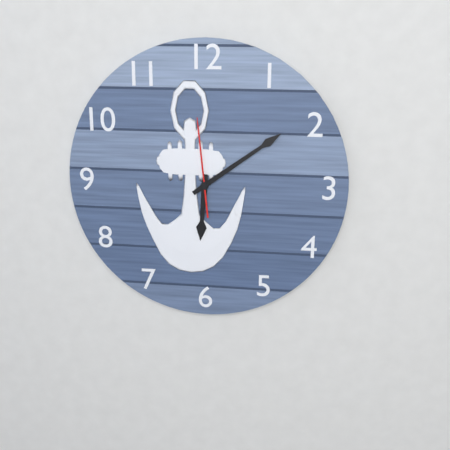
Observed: 6,09,59
